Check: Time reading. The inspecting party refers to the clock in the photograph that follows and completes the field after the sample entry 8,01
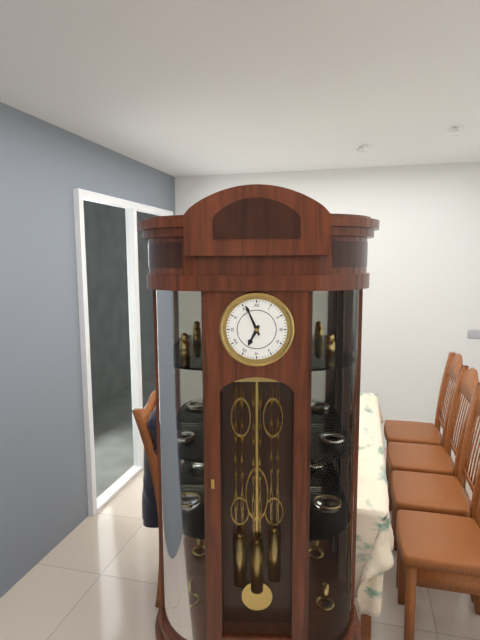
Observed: 6,56
